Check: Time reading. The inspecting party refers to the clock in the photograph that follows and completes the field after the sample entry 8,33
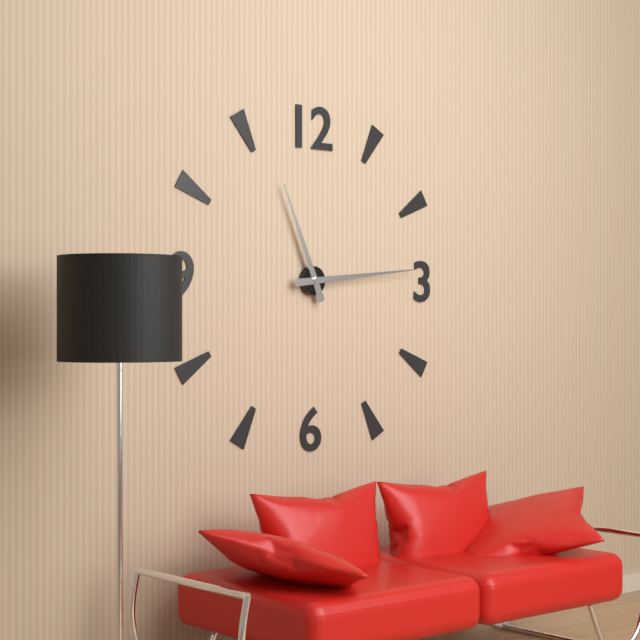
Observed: 11,14
